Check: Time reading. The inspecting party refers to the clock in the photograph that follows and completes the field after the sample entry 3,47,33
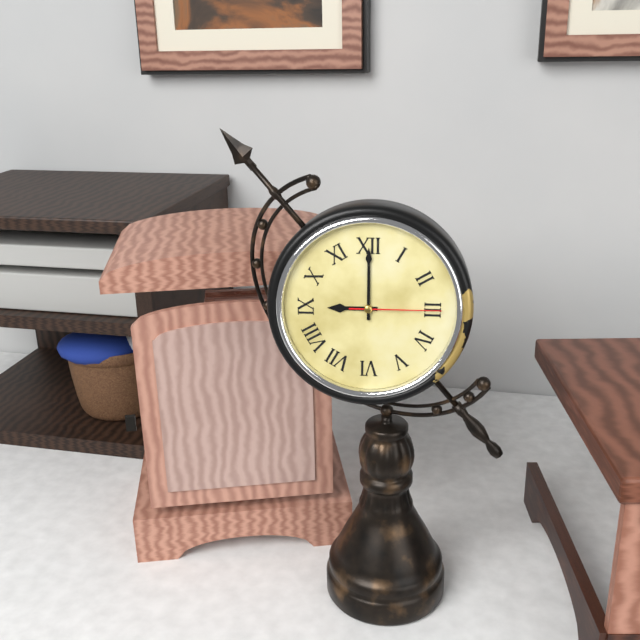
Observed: 9,00,15
